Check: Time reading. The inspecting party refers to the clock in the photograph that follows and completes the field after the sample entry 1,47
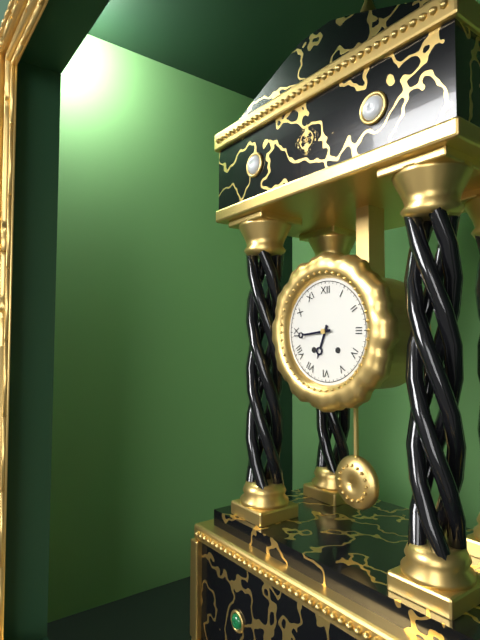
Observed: 6,44
